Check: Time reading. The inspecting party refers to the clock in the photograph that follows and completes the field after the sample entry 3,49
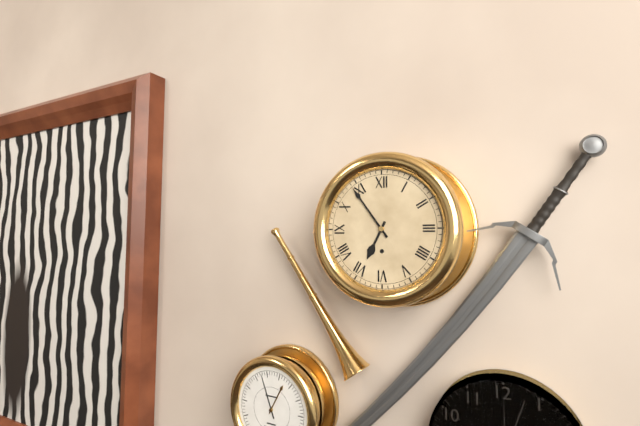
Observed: 6,54
